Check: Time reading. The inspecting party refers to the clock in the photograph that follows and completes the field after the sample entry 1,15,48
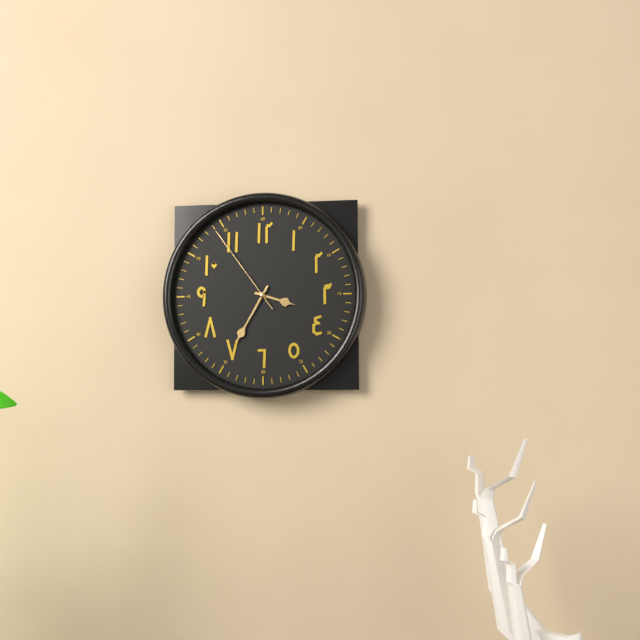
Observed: 3,35,54
